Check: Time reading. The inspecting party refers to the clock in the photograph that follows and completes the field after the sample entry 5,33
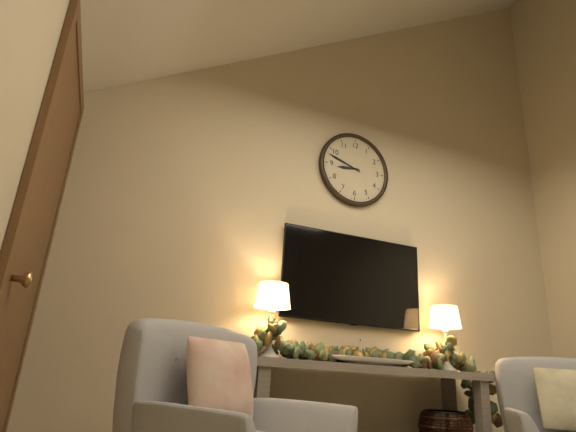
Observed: 8,48
